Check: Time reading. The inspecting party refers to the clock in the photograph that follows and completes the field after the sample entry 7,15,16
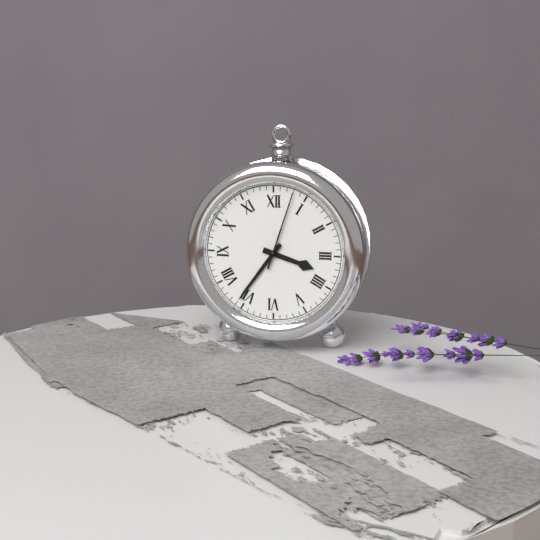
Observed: 3,36,03
